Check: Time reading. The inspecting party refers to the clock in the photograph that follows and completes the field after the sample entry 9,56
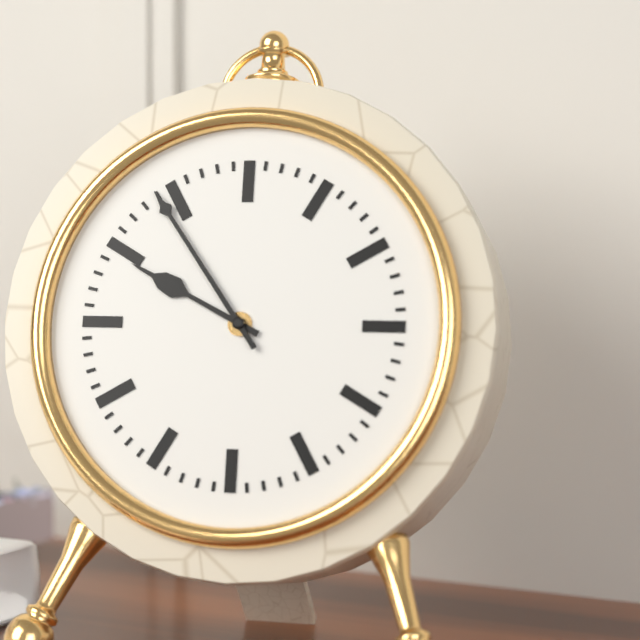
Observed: 9,54
